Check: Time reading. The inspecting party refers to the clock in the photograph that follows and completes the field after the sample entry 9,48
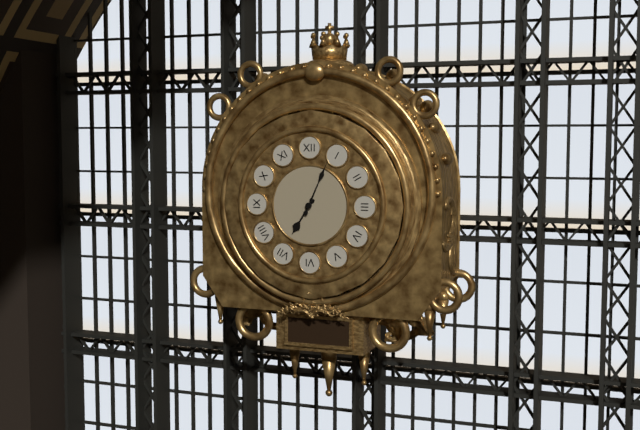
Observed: 7,04
